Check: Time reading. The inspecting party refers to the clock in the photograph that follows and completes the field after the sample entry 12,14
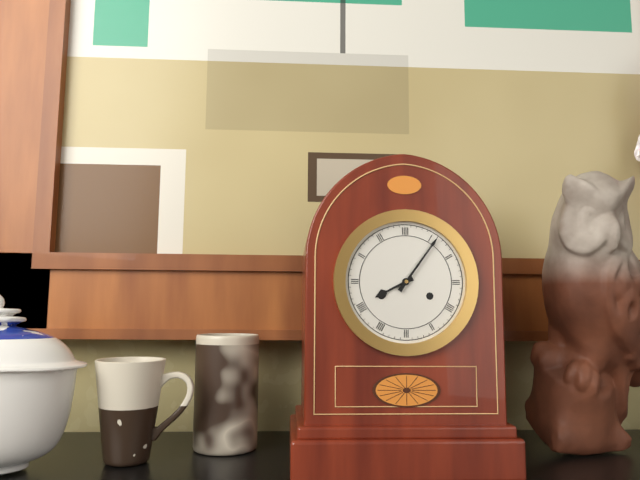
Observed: 8,06
